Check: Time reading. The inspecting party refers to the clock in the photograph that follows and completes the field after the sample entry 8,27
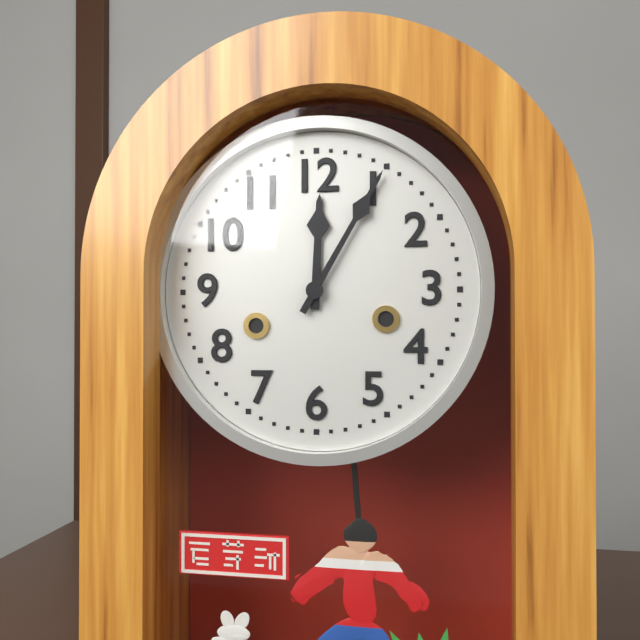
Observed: 12,05
